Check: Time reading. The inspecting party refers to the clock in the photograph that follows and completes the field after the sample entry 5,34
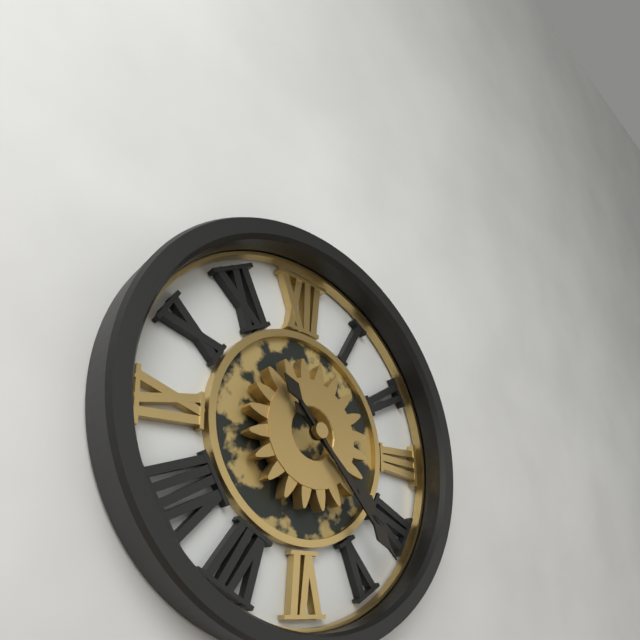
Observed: 4,23
